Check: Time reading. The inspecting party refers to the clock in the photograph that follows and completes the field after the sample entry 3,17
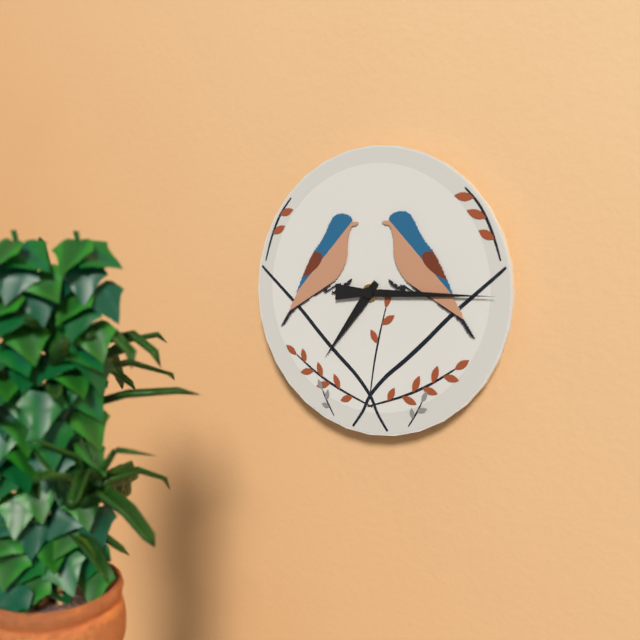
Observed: 7,15
